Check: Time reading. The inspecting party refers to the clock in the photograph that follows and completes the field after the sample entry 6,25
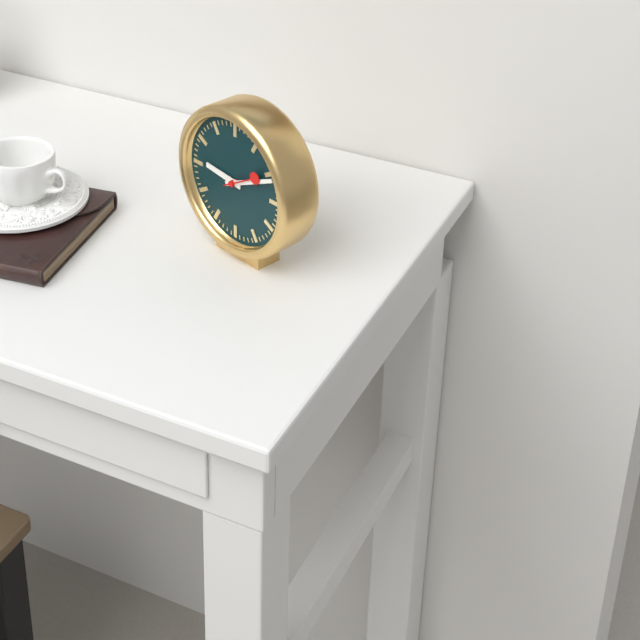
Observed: 9,11
